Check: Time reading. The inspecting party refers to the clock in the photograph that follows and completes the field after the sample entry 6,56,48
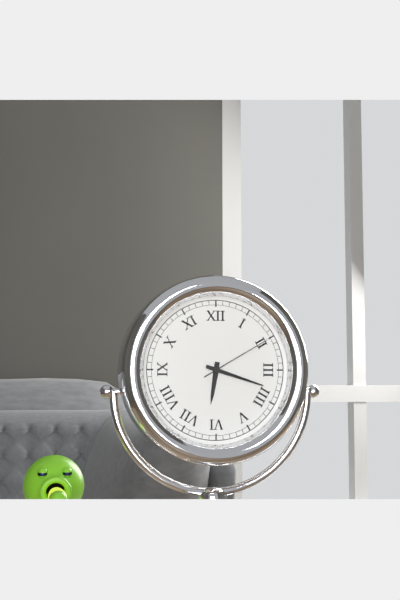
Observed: 6,18,10
